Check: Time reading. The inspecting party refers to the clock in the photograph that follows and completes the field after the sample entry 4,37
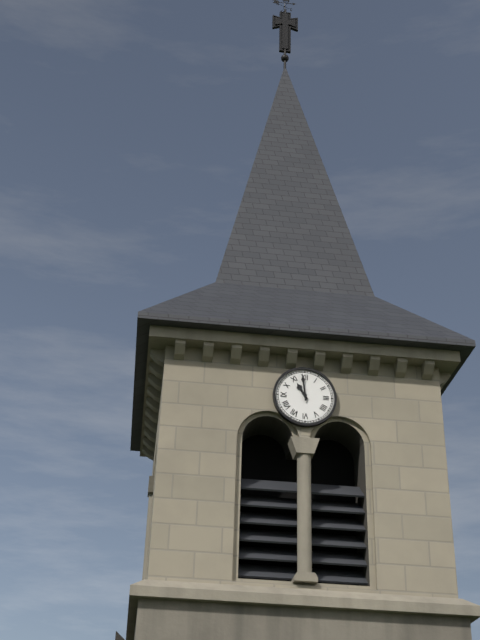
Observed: 10,59
